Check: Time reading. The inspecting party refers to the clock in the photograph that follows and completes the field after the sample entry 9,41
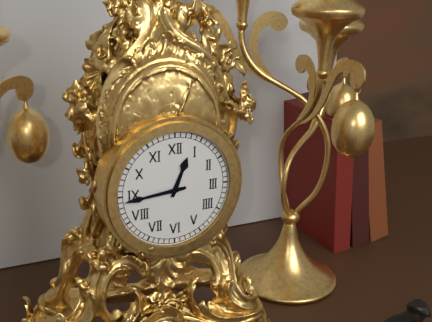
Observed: 12,44
